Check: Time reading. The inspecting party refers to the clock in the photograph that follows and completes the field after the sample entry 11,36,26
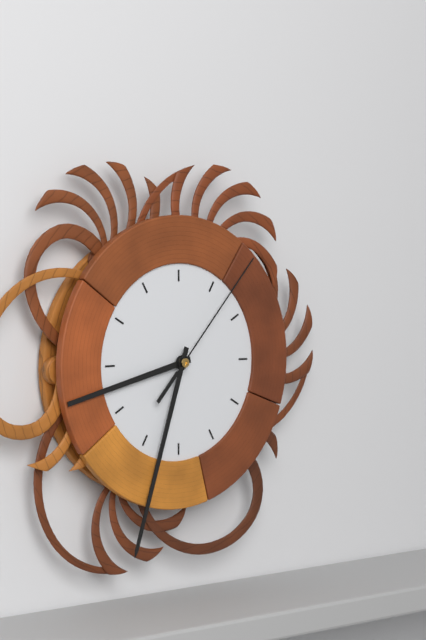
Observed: 8,33,07
